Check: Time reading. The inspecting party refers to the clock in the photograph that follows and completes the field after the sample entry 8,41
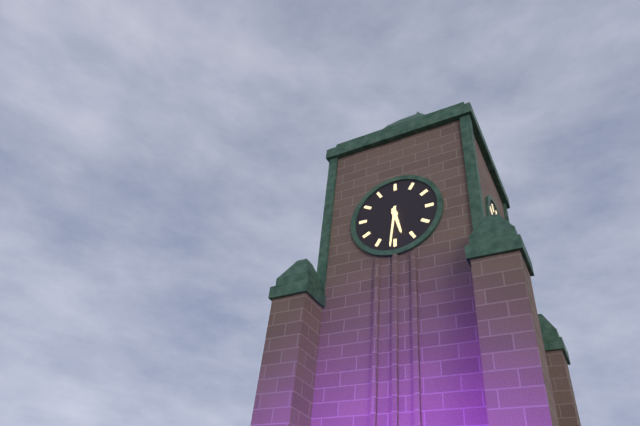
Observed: 5,31
